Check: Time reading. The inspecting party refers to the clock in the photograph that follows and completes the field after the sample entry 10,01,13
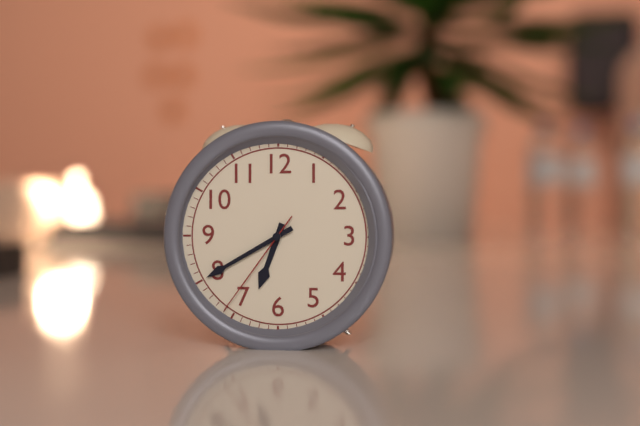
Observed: 6,40,36
